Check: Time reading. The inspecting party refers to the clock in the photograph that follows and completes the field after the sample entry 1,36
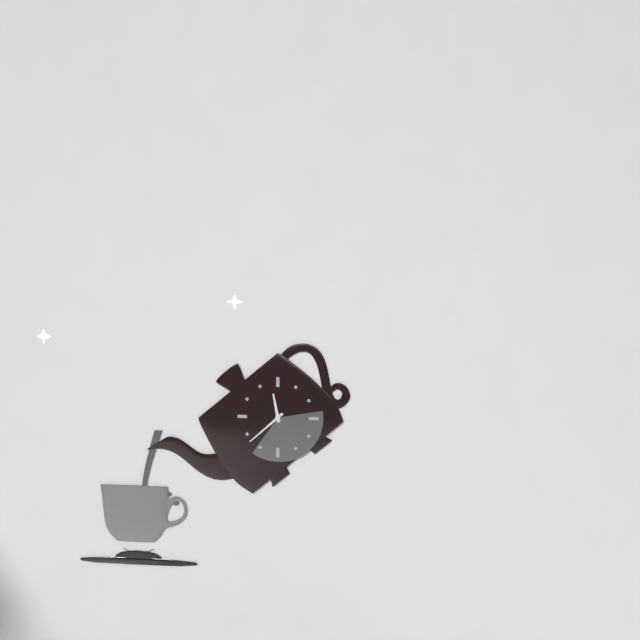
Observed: 11,38
